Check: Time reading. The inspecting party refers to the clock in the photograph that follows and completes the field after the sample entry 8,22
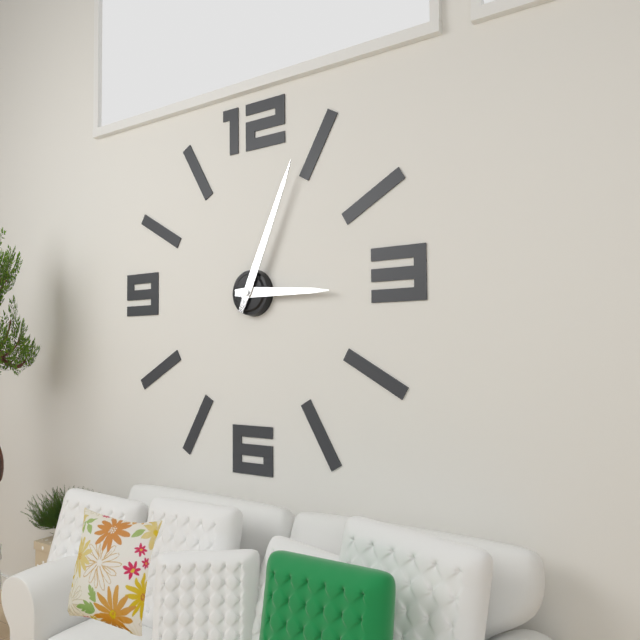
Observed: 3,04
